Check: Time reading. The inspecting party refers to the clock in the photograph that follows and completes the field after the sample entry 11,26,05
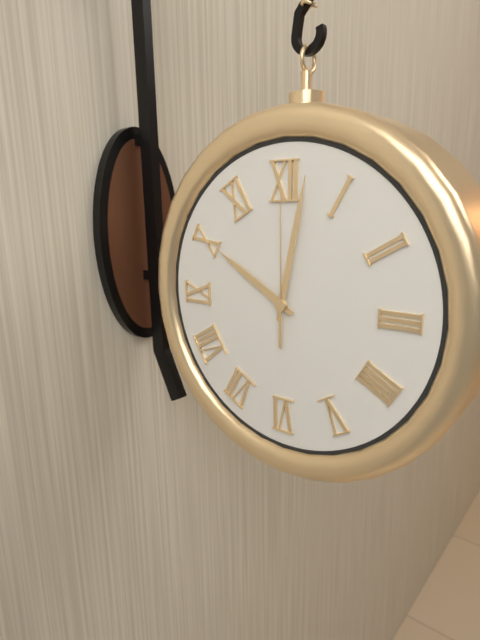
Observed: 10,02,00
